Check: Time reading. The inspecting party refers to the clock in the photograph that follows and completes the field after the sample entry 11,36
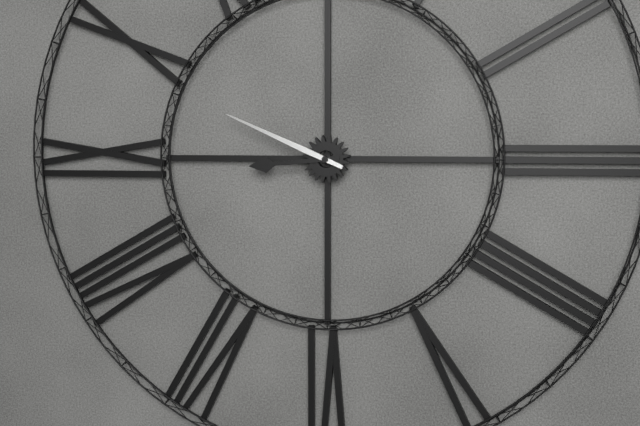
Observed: 8,49
